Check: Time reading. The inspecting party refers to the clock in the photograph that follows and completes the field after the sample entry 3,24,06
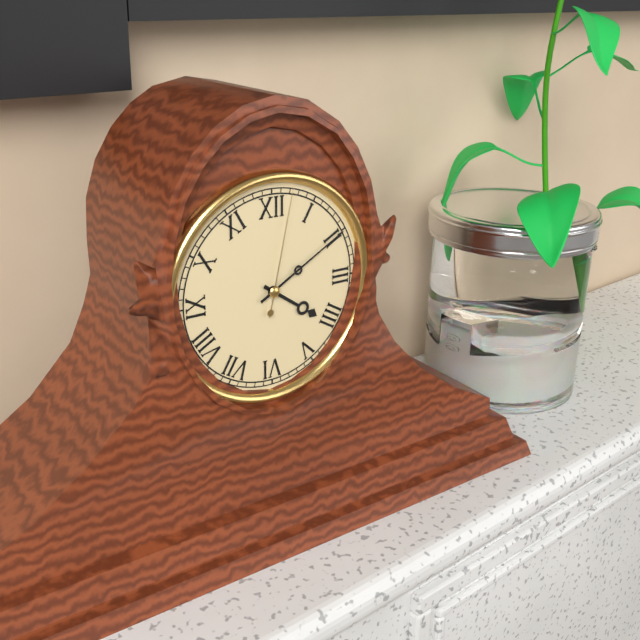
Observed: 4,10,02
